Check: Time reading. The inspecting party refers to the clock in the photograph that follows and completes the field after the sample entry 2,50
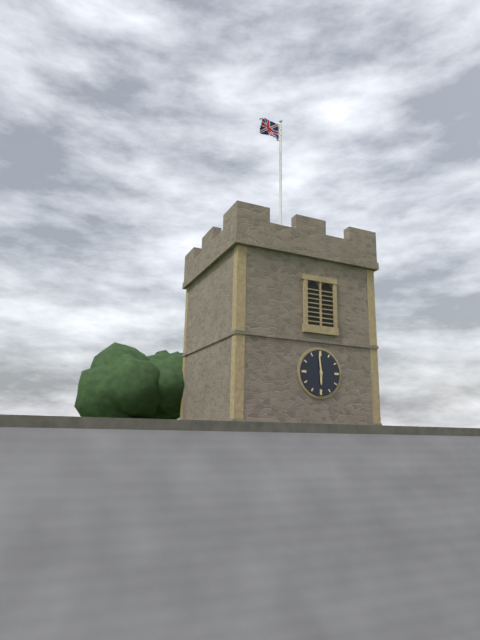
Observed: 5,59
